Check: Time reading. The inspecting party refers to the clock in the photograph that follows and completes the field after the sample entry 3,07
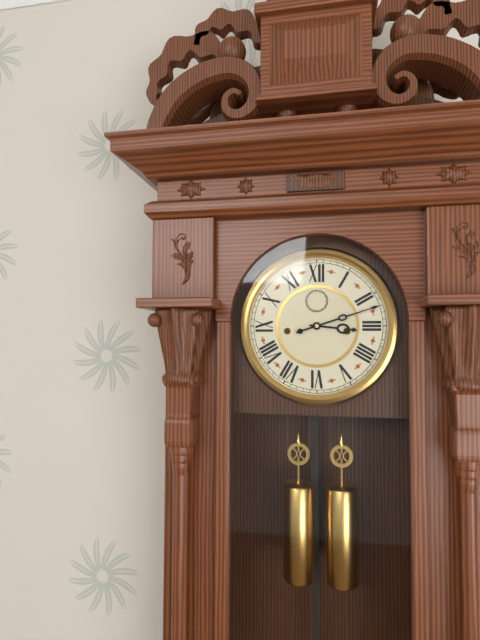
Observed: 3,12
